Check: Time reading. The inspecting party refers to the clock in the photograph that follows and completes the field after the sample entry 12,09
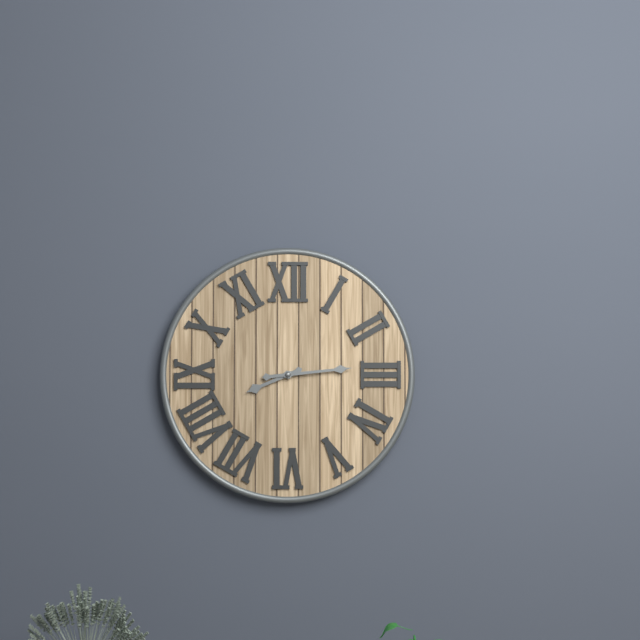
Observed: 8,14
